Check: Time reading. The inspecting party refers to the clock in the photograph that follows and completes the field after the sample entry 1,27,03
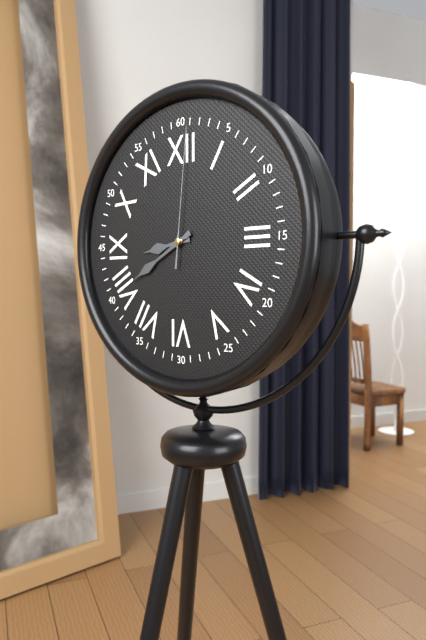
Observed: 8,40,01
